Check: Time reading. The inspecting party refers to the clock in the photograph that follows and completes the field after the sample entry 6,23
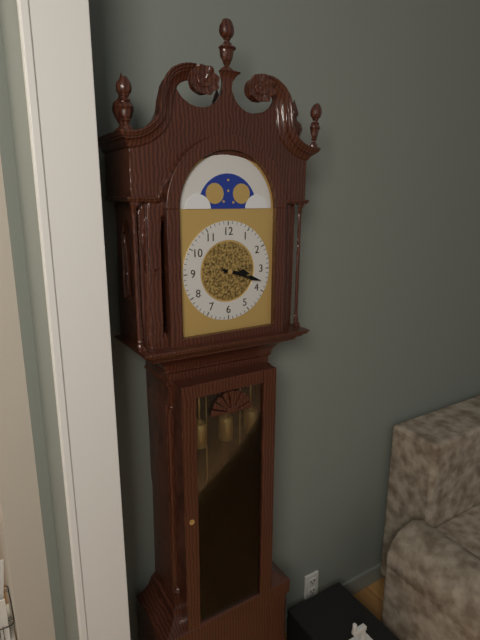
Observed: 3,18
